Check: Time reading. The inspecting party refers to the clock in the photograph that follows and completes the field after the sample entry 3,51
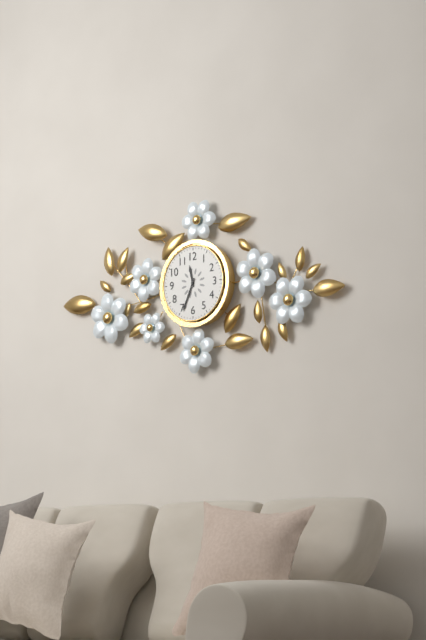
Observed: 11,34
